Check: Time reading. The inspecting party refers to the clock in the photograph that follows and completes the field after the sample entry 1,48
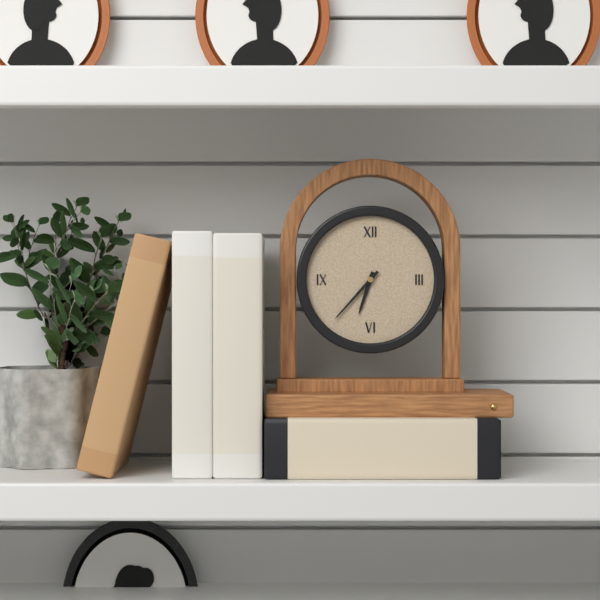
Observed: 6,37
